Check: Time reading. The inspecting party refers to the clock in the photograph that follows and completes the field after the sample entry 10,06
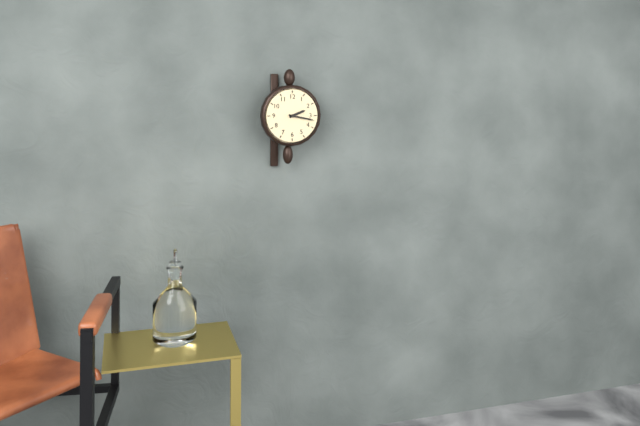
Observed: 2,17
